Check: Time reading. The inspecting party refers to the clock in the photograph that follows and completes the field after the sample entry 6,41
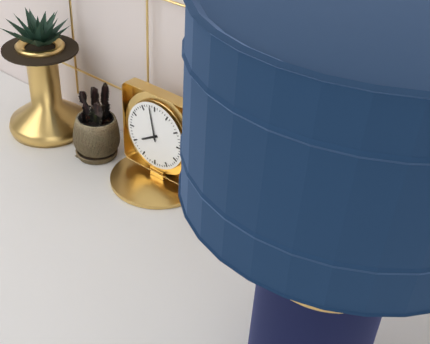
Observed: 7,58
